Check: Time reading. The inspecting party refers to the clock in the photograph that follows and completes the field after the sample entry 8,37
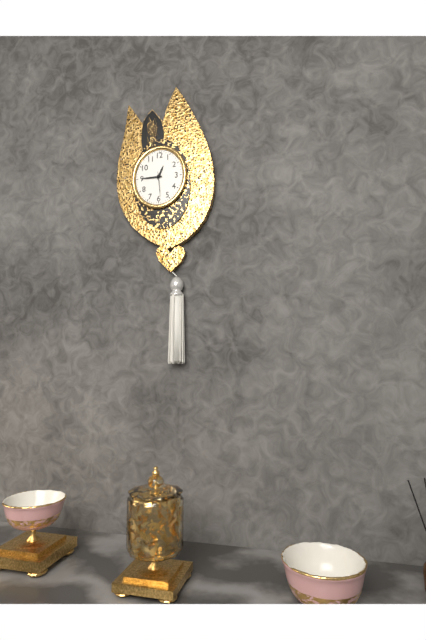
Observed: 12,45
